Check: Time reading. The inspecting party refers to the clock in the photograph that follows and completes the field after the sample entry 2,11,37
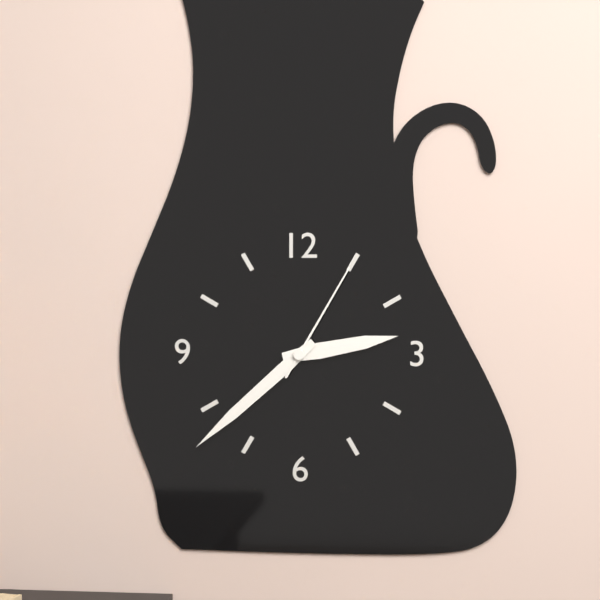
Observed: 2,38,05
